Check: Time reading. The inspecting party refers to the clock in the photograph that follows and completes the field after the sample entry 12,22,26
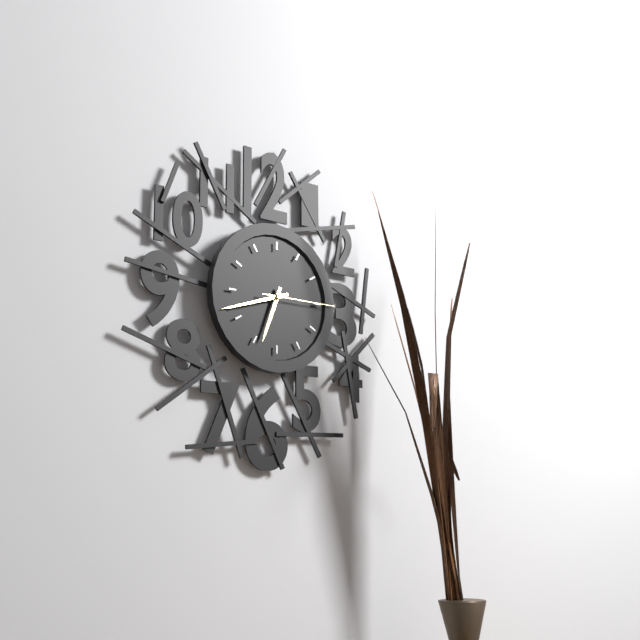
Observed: 6,42,15
